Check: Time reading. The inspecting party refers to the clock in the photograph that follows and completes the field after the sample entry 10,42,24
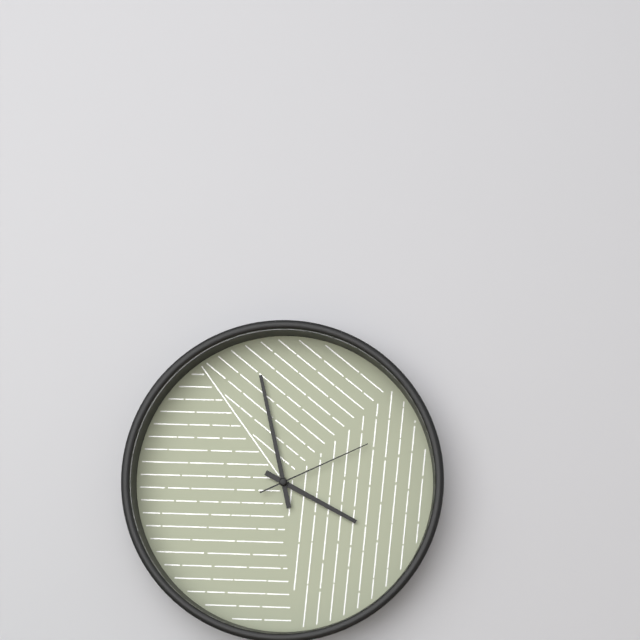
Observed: 3,58,11
